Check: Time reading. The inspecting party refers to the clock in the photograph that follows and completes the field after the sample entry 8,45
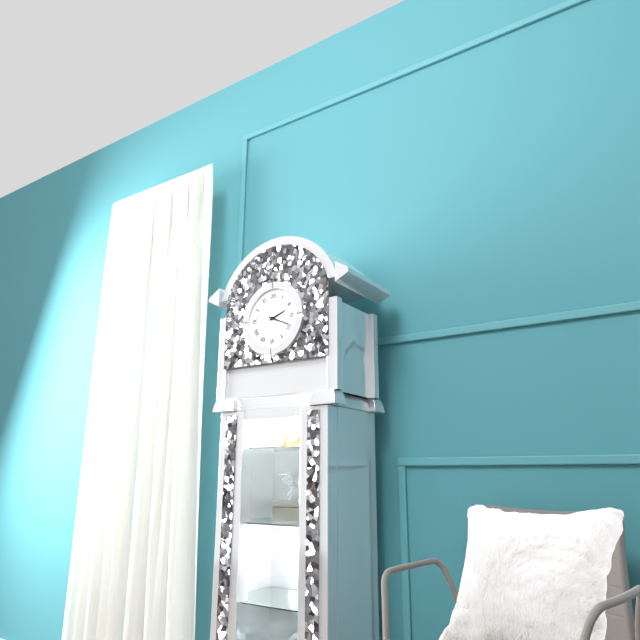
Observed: 2,19
